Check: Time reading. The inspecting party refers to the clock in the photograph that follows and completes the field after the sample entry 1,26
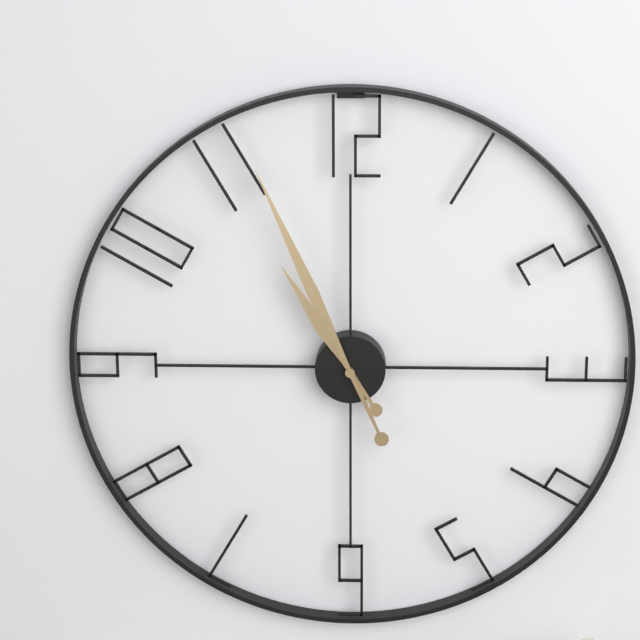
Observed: 10,56
